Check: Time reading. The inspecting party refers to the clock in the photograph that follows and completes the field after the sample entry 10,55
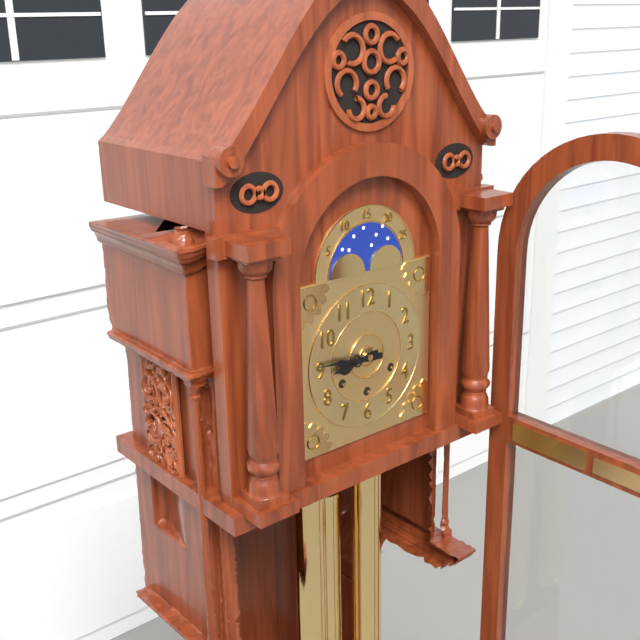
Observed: 8,46
